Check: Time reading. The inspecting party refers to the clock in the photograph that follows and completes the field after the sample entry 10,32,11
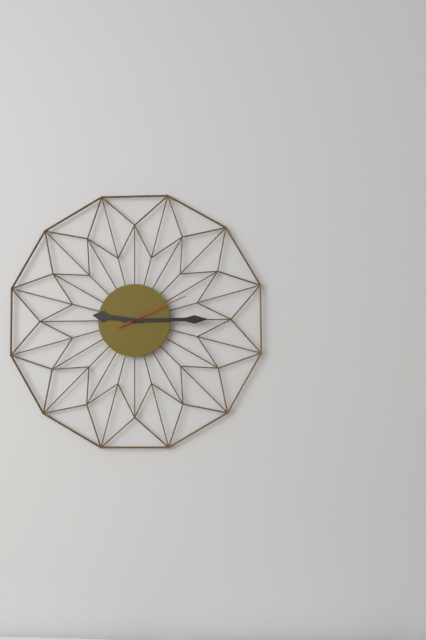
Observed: 9,15,11
